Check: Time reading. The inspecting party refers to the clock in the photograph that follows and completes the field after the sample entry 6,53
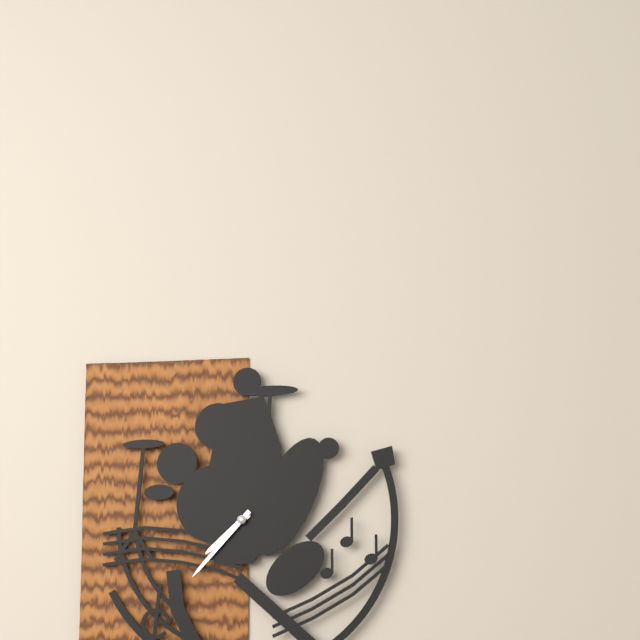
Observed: 7,37
